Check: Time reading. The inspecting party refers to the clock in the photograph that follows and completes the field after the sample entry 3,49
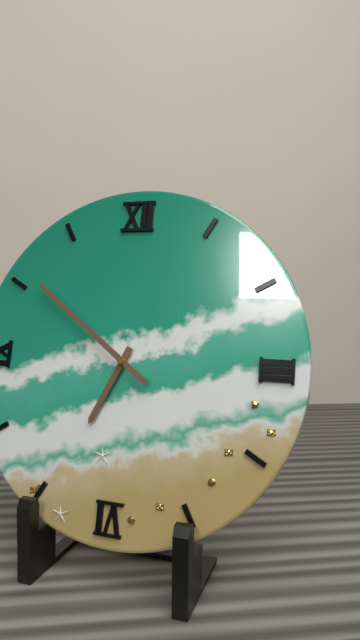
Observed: 6,51
